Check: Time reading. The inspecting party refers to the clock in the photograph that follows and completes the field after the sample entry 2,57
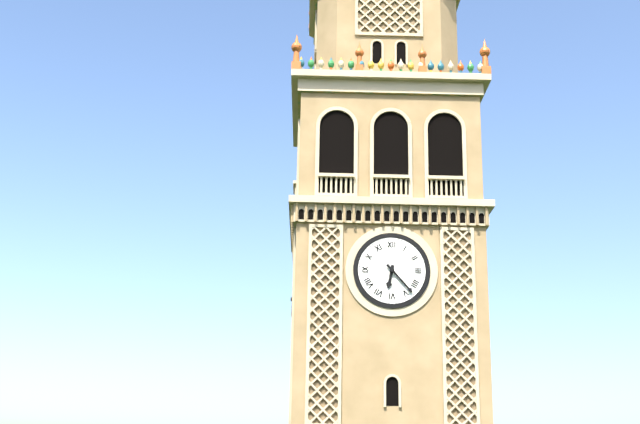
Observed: 6,23
